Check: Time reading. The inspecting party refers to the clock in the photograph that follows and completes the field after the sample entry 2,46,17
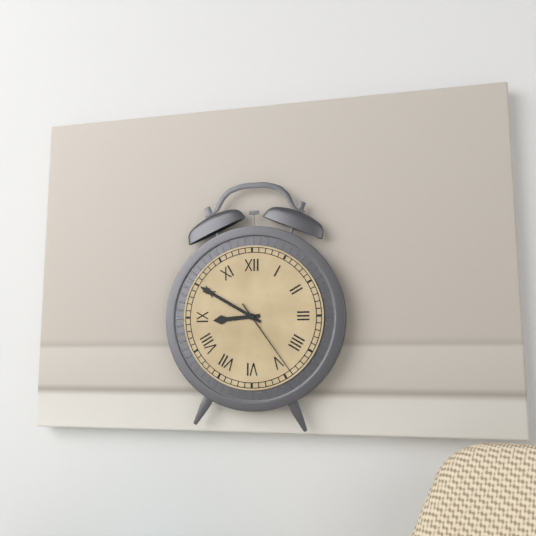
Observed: 8,50,24
